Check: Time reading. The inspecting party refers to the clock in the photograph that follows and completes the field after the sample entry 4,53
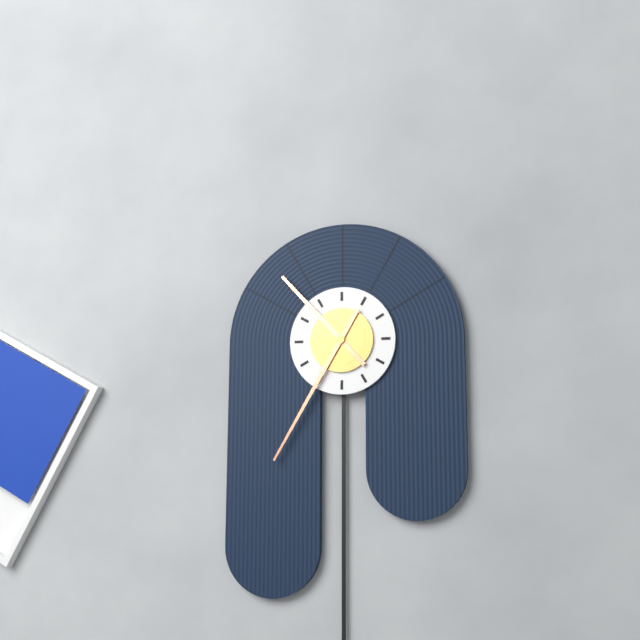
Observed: 10,35
